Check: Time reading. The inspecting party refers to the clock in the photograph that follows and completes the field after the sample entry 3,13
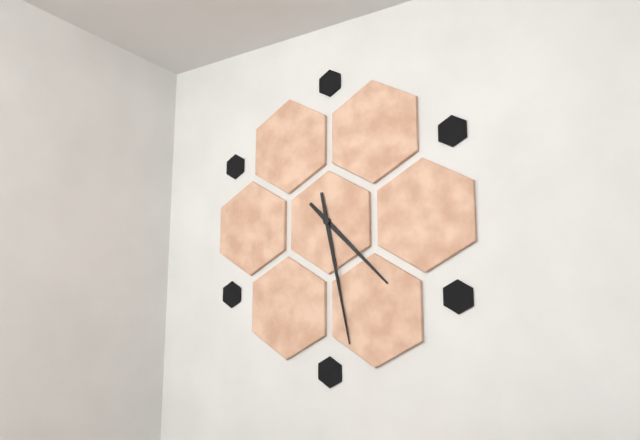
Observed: 4,28
